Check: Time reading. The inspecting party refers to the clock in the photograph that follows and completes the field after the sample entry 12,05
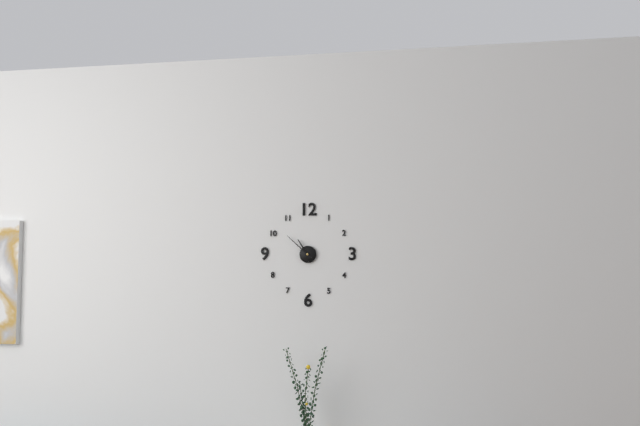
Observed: 10,52
